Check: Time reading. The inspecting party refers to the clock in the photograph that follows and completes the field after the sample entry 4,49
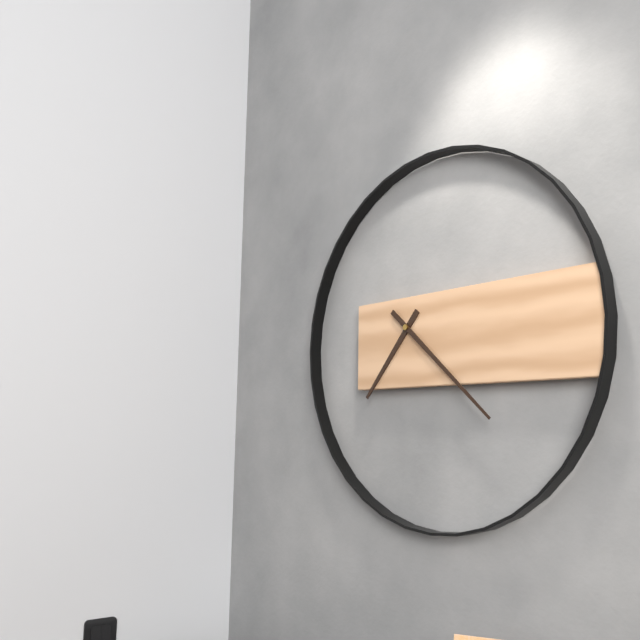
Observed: 7,22
